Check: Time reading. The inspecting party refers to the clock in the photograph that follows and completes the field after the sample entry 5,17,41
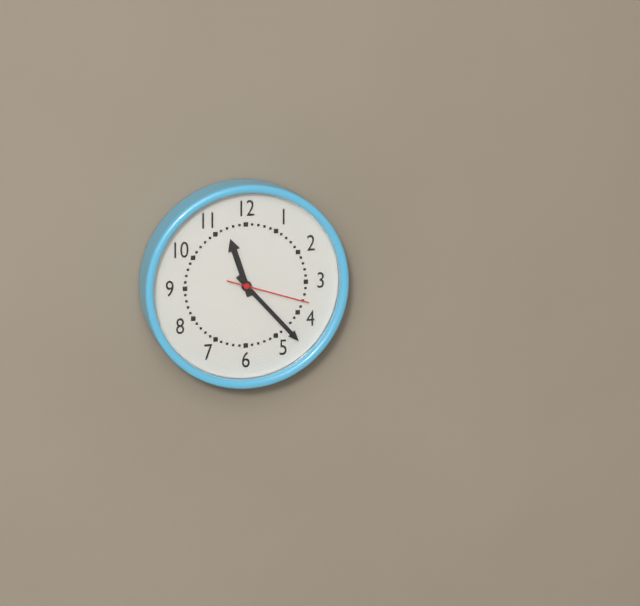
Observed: 11,23,18
